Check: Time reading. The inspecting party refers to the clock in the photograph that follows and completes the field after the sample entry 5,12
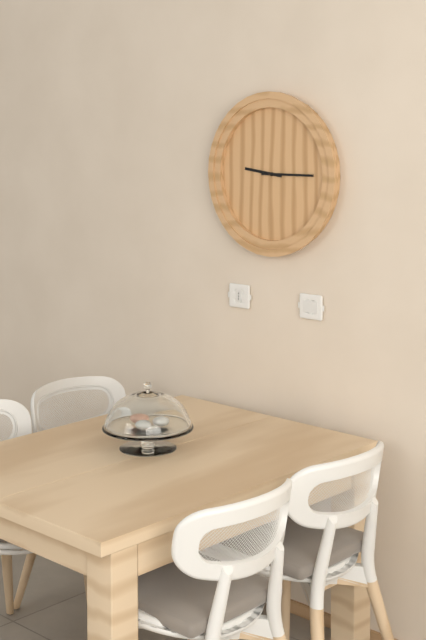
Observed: 9,15
